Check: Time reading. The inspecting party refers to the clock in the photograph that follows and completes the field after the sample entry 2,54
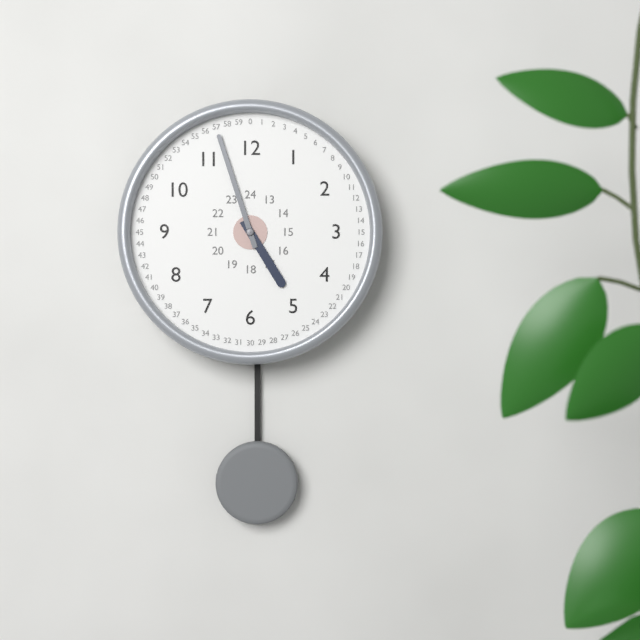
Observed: 4,57
